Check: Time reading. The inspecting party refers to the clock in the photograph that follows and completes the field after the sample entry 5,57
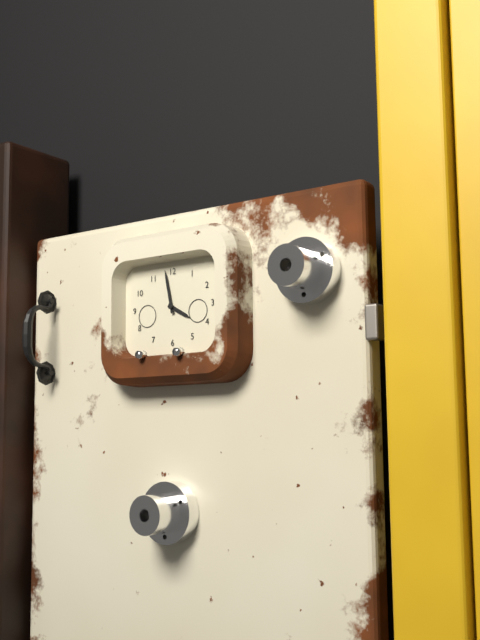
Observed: 3,58
